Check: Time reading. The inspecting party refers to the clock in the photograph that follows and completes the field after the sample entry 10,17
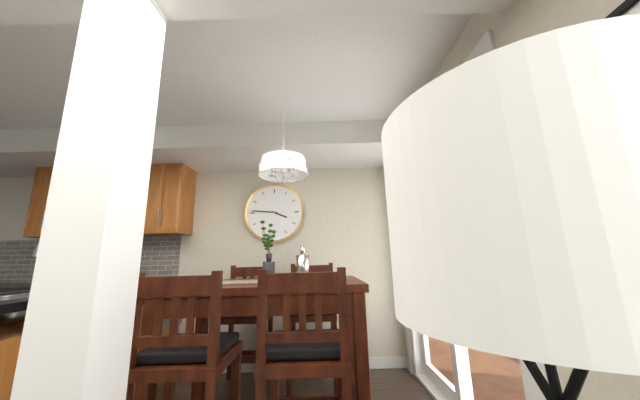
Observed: 3,46
